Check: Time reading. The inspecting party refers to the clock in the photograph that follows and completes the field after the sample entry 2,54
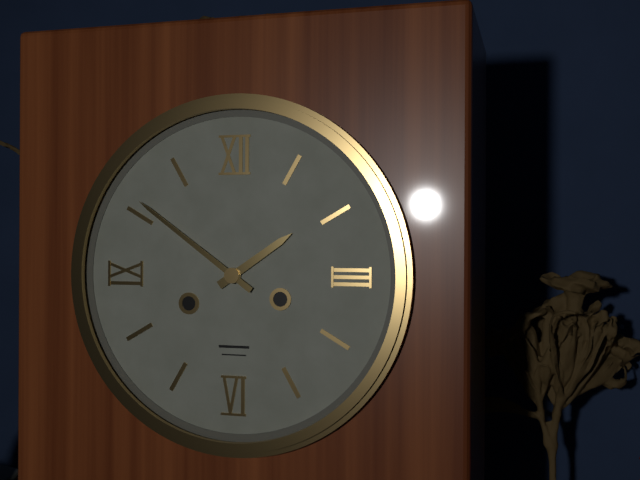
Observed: 1,51
